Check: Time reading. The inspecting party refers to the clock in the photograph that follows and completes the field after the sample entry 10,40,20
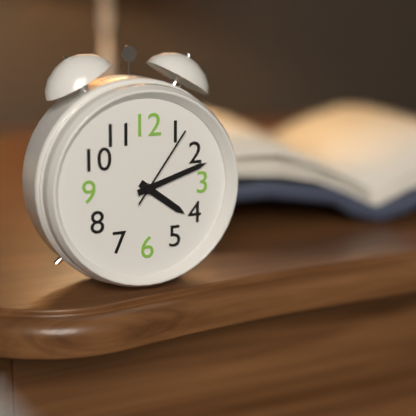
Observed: 4,12,06
